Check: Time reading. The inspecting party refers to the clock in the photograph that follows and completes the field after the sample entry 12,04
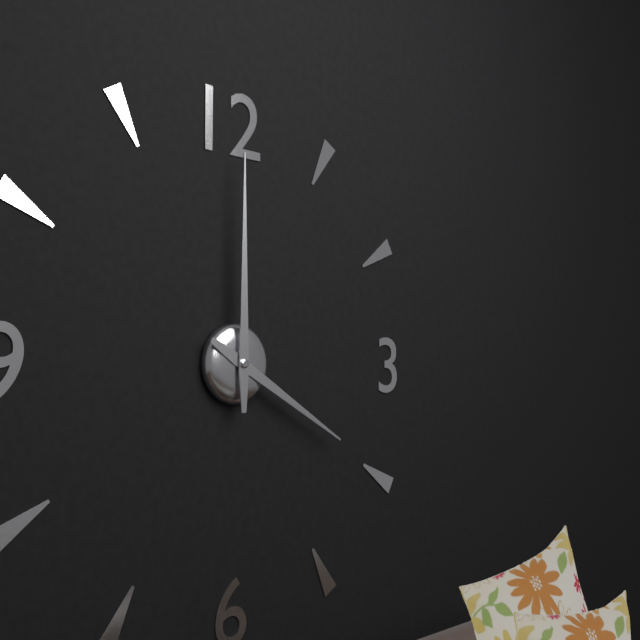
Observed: 4,00
